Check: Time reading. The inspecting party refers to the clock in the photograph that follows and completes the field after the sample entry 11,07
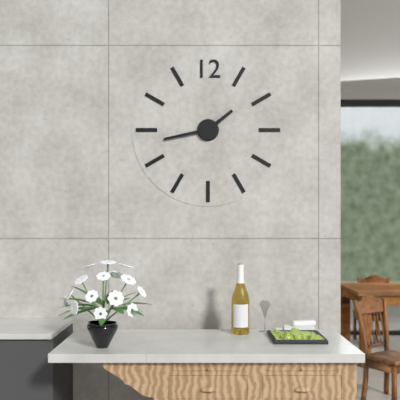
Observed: 1,43
